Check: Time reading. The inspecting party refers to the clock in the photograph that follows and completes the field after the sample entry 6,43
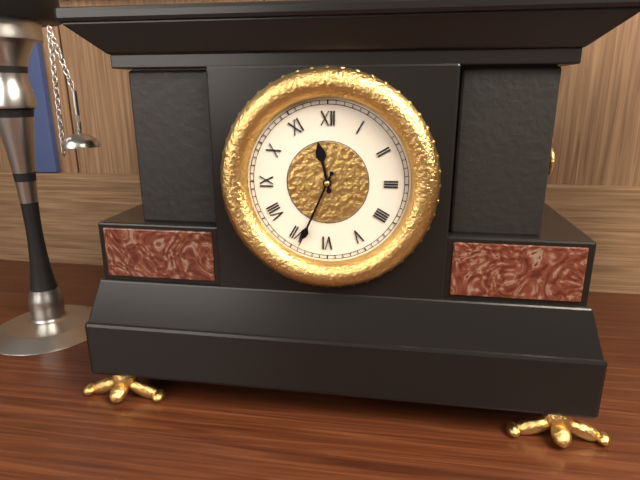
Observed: 11,34
